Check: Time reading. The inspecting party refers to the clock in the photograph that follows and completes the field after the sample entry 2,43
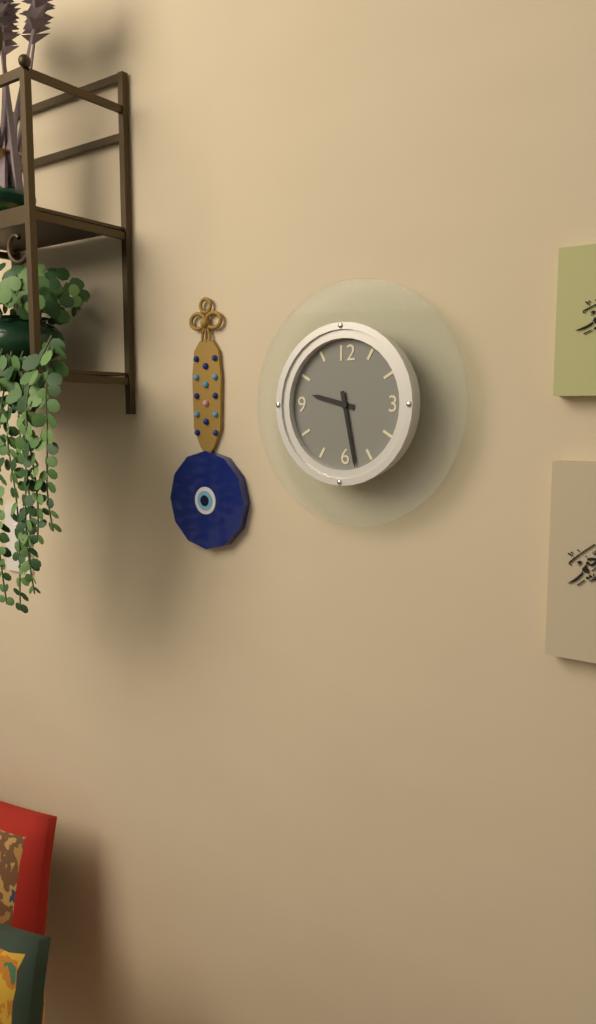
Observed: 9,28
